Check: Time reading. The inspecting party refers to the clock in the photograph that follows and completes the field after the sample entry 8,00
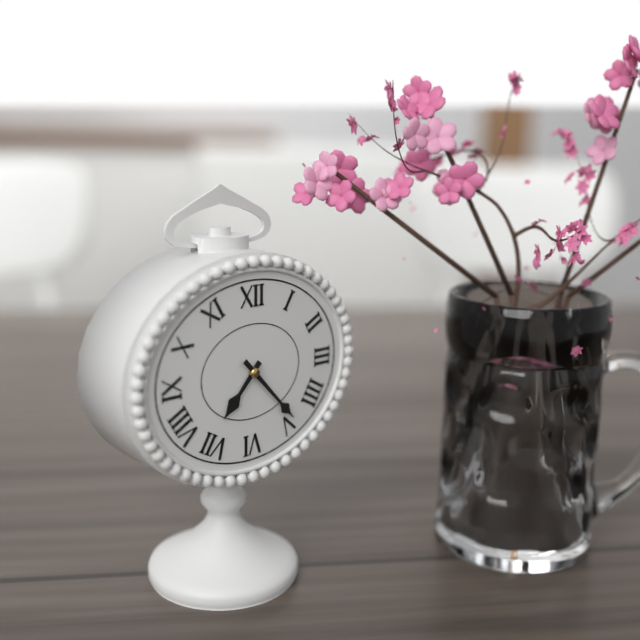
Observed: 7,23
